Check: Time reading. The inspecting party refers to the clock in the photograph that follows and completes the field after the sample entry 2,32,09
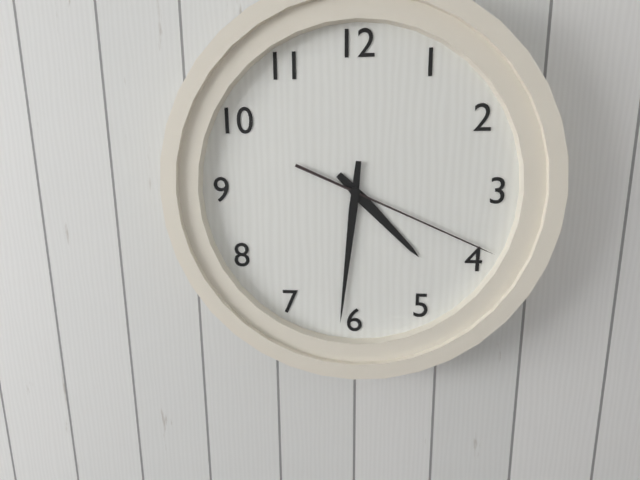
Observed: 4,31,19
